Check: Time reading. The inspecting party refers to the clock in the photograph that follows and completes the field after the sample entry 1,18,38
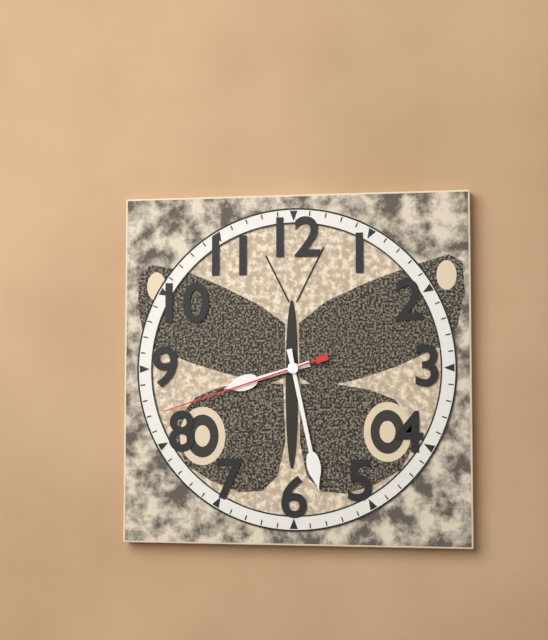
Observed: 8,28,42
